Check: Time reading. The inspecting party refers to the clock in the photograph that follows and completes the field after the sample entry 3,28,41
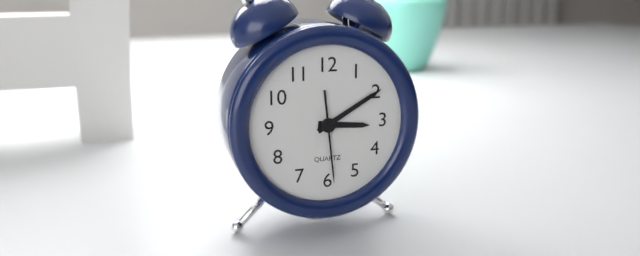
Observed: 3,10,29
